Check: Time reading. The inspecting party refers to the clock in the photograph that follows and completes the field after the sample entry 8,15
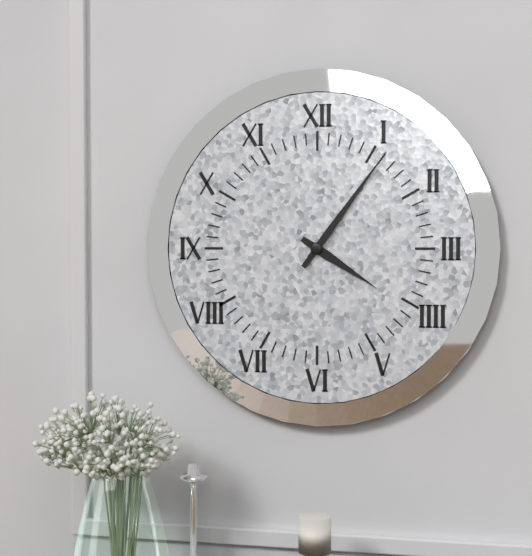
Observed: 4,06
